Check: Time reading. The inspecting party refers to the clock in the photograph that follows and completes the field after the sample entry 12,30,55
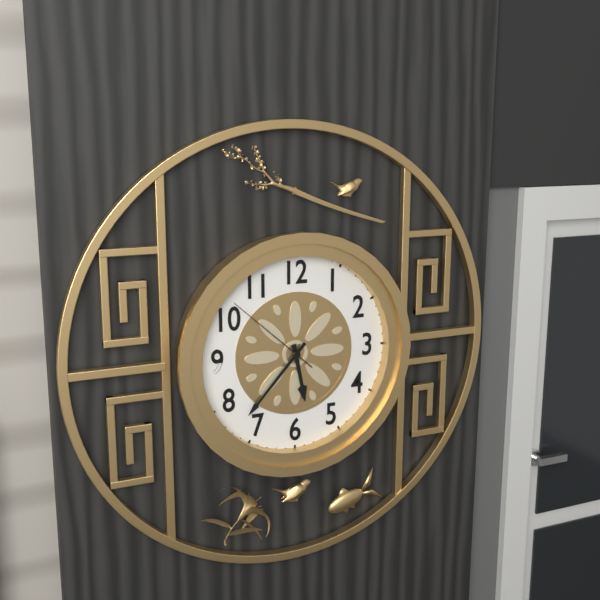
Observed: 5,37,52
